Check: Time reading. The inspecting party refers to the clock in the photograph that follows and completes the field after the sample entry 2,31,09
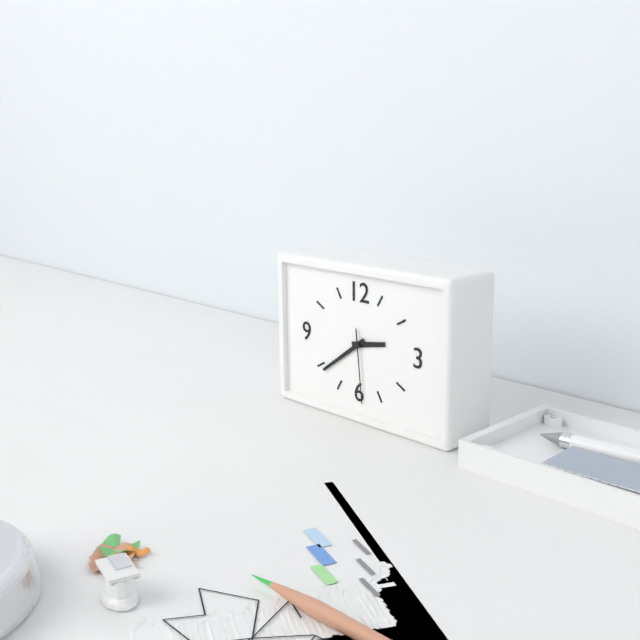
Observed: 2,39,29
